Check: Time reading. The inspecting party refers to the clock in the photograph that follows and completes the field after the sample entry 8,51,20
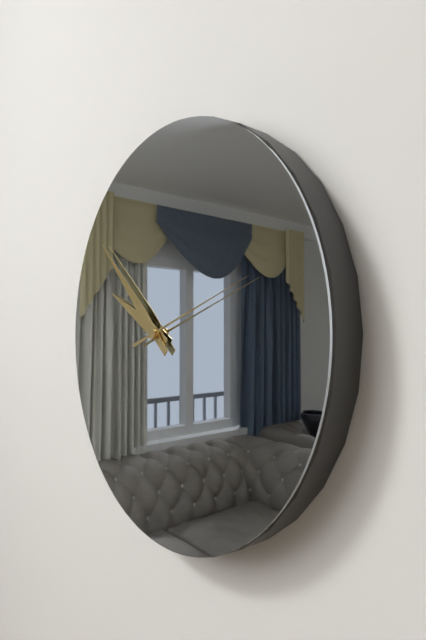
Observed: 9,52,12
